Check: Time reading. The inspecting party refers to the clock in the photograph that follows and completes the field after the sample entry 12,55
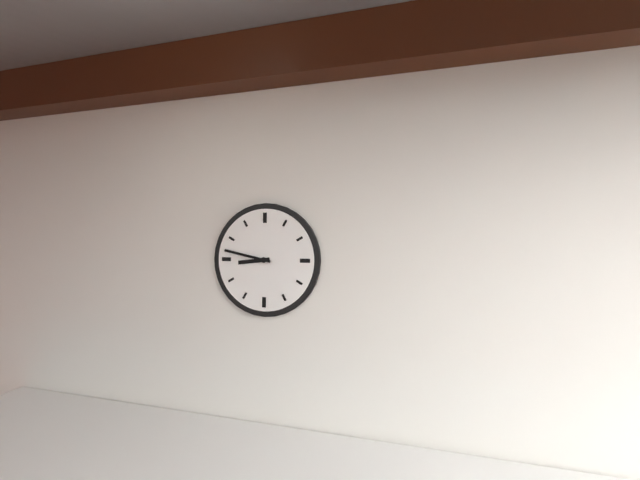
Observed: 8,47
